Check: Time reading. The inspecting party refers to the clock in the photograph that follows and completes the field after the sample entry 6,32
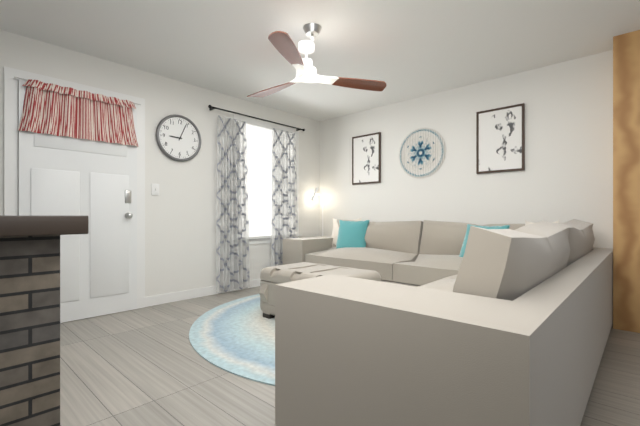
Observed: 9,04
